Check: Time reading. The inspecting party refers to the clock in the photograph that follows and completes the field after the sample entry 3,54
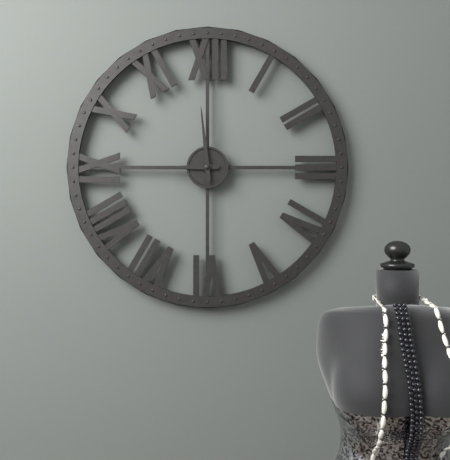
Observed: 8,59
